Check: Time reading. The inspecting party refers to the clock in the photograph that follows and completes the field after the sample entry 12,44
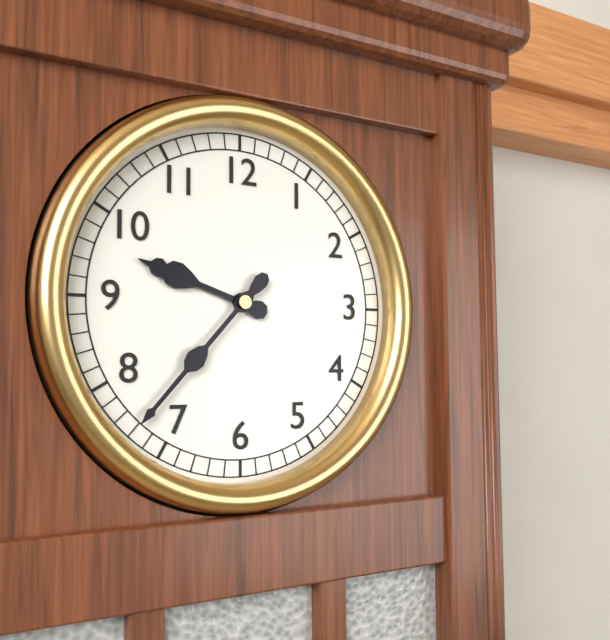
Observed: 9,37
